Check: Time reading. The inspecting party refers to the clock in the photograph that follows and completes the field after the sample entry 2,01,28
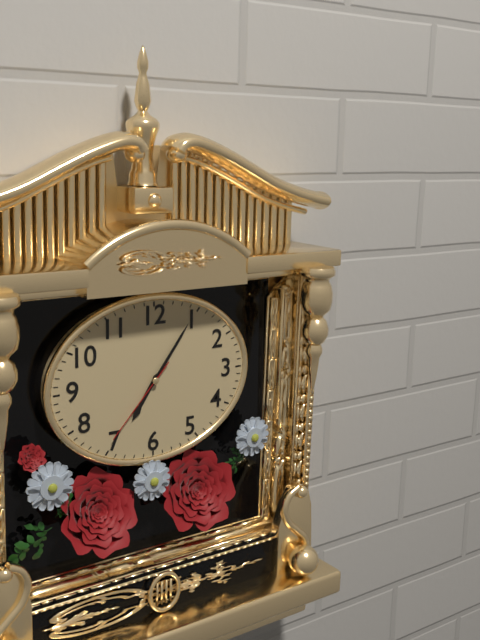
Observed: 7,06,37
